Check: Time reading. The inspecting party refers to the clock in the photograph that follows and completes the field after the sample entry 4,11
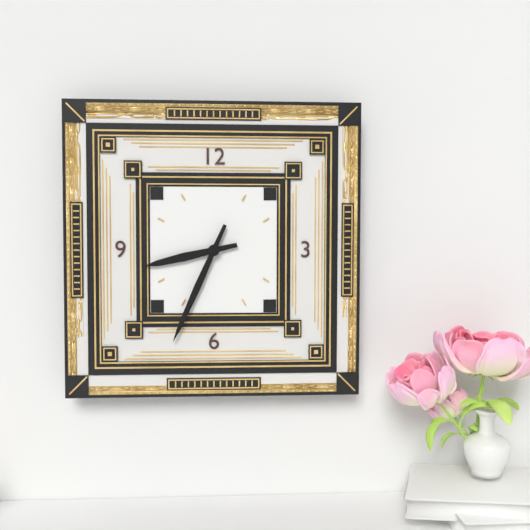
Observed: 8,34
